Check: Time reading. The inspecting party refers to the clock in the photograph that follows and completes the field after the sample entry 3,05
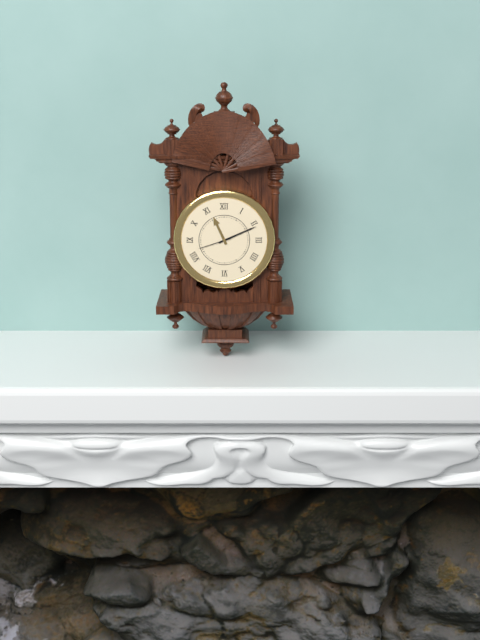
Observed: 11,11
